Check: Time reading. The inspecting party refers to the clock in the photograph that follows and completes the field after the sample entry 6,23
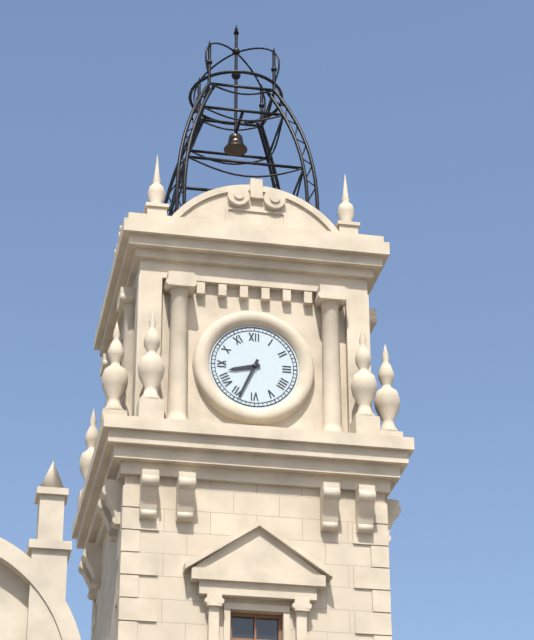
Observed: 8,34
